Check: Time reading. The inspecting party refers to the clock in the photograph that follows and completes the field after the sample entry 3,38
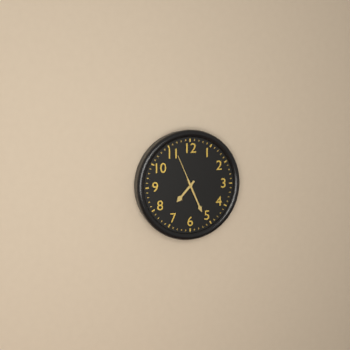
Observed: 7,26
